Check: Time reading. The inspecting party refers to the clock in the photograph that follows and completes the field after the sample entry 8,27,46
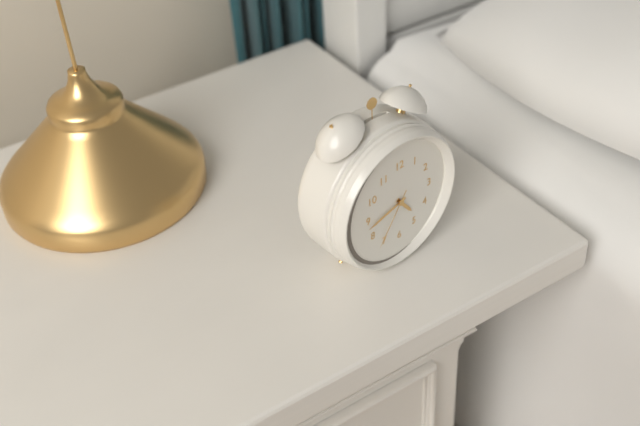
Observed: 4,43,36
